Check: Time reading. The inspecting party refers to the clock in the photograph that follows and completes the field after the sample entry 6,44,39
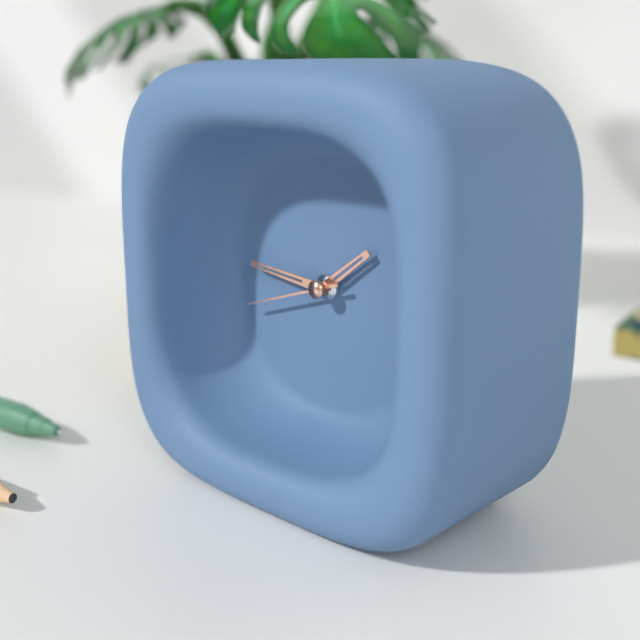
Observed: 1,46,42
